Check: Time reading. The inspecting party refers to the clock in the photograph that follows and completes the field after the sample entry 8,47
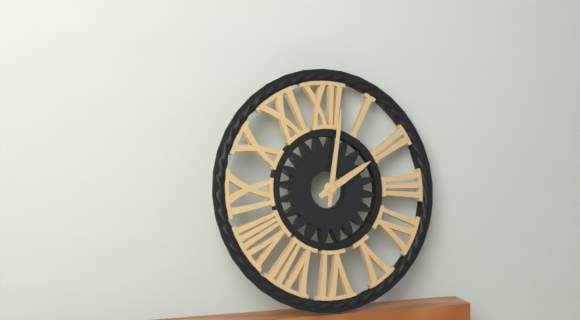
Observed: 2,02
